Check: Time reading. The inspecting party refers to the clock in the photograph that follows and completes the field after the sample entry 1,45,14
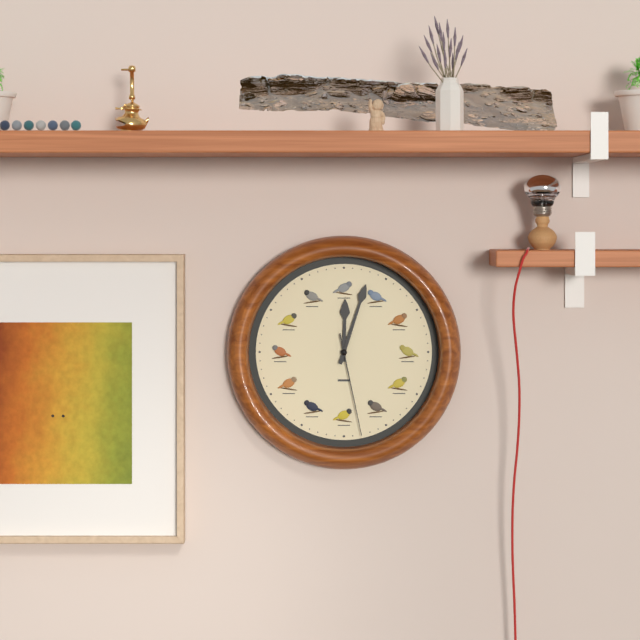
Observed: 12,03,28
